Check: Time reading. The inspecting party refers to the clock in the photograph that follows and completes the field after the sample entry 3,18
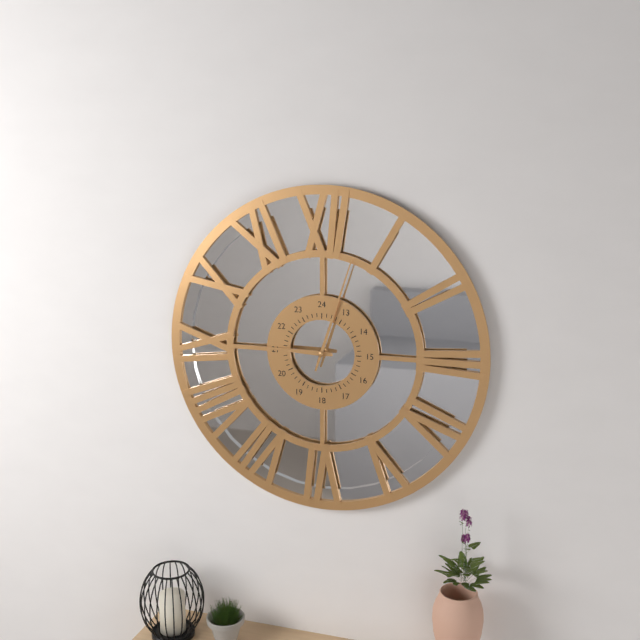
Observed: 9,03
